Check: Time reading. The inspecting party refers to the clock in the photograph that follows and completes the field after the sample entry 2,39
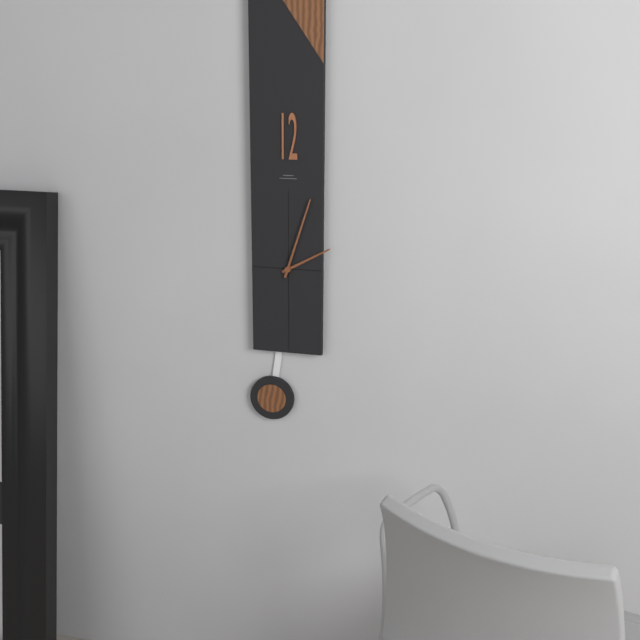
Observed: 2,03
